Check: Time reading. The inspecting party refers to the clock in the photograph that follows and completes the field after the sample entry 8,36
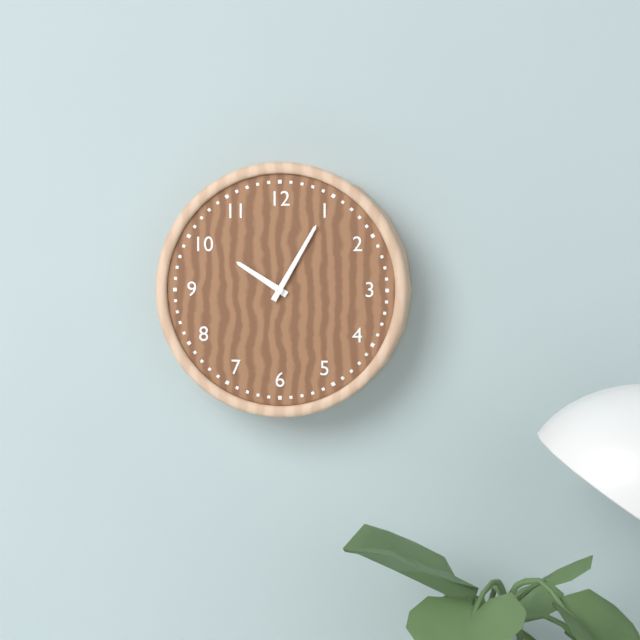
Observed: 10,05
